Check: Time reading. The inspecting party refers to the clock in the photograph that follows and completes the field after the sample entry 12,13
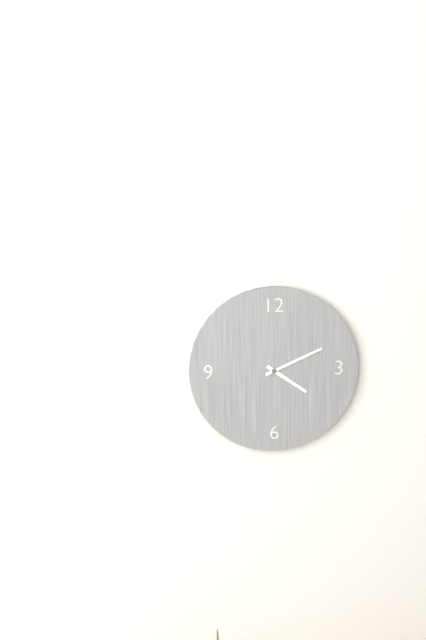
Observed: 4,11
